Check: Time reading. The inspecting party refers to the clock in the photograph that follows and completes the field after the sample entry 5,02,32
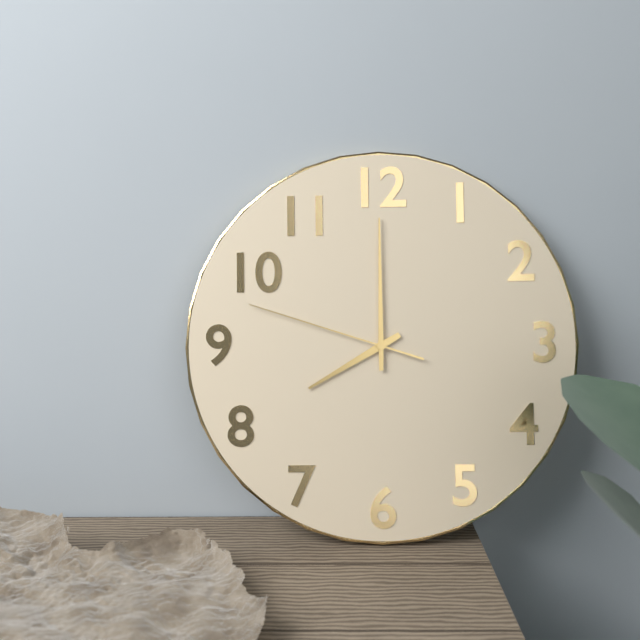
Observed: 8,00,48
